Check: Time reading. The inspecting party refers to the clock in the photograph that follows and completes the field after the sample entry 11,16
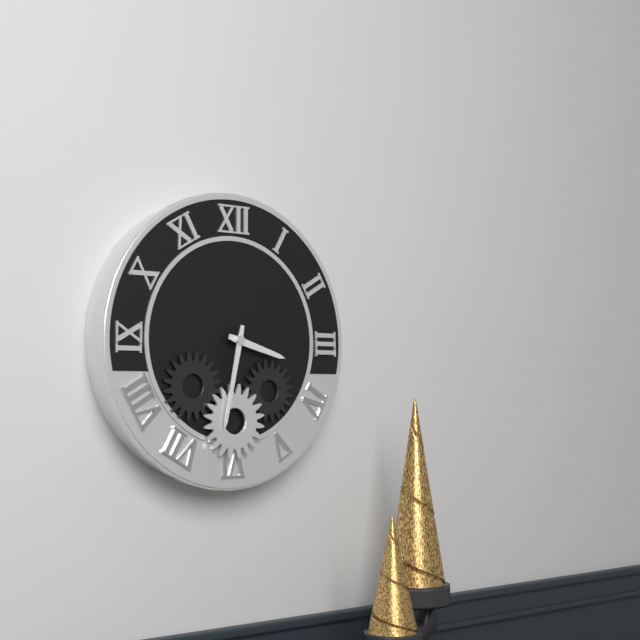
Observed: 3,32
